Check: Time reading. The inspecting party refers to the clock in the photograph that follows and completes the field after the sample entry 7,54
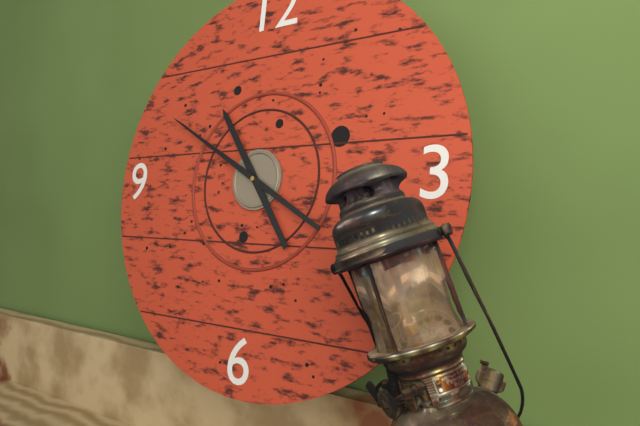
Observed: 10,50
